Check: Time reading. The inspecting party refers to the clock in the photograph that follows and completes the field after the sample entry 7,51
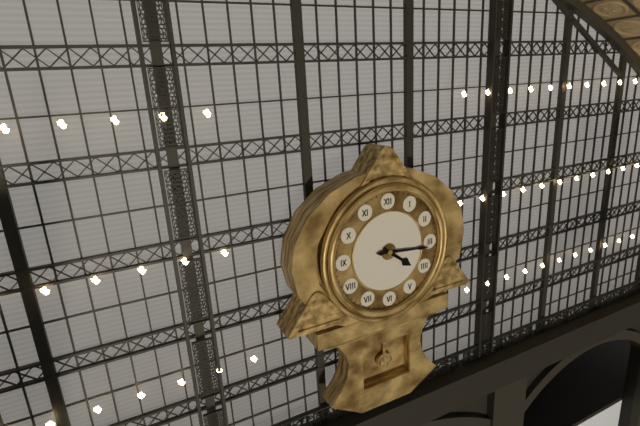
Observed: 4,16
